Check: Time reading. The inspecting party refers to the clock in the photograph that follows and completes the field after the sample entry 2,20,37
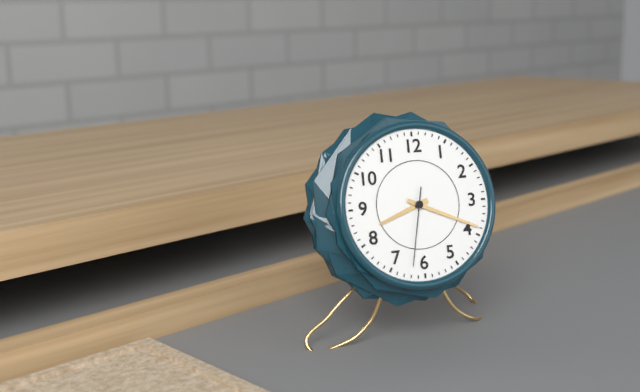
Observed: 8,19,32
